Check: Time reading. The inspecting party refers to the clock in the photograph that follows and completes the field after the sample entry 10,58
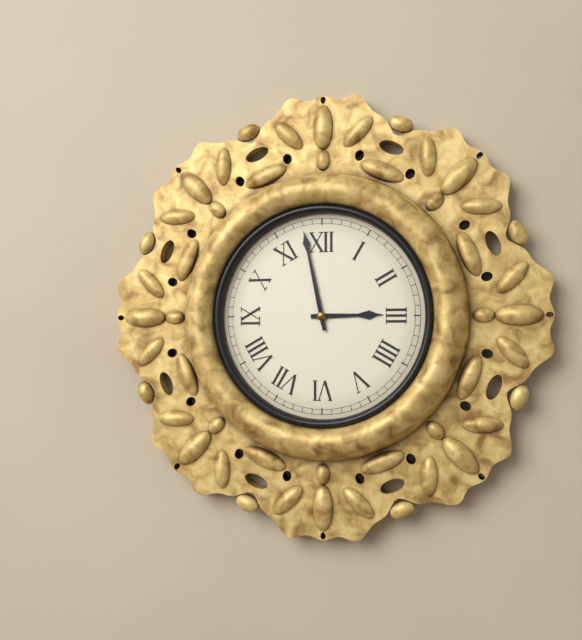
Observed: 2,58
